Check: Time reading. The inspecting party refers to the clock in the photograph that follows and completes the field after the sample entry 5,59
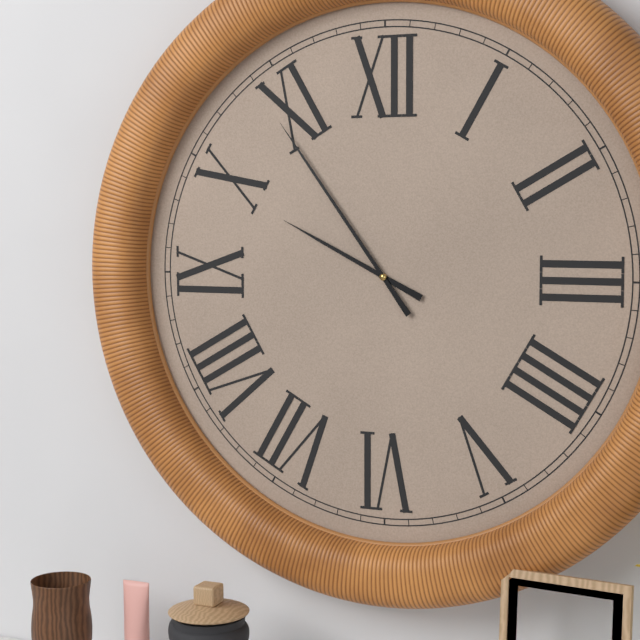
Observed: 9,54
